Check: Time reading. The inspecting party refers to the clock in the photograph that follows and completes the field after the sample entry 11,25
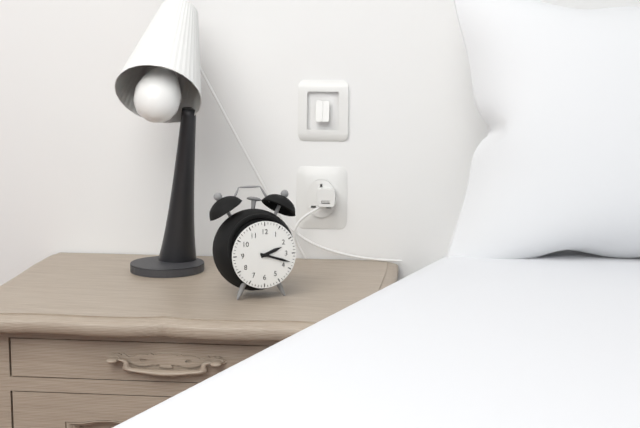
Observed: 2,18
